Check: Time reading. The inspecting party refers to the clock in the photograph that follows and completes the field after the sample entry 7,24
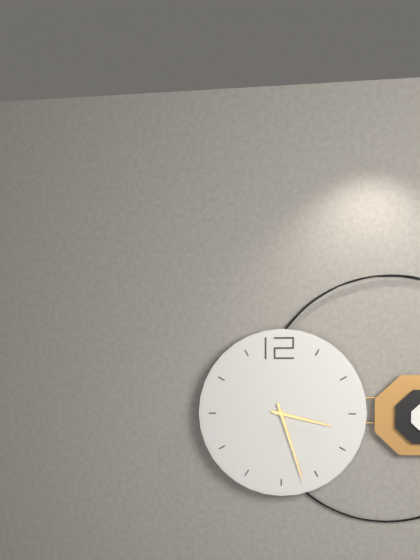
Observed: 3,27
